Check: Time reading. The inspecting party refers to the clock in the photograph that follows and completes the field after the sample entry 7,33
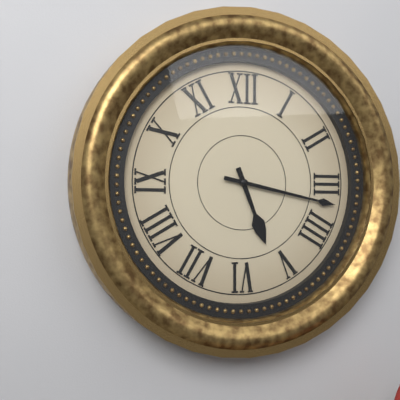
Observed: 5,17
